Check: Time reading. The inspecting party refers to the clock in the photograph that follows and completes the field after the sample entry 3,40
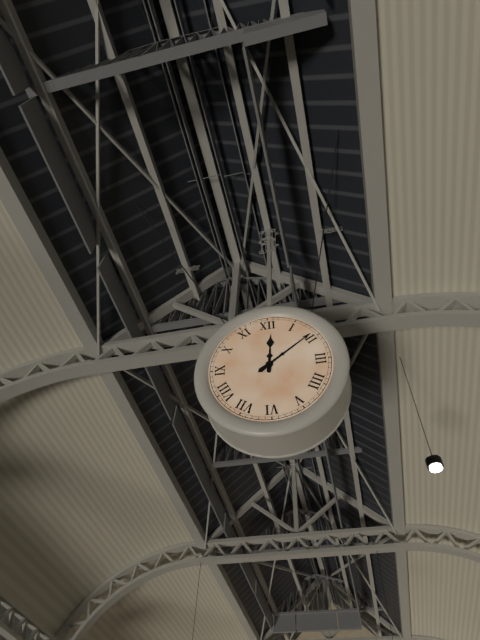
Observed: 12,09
